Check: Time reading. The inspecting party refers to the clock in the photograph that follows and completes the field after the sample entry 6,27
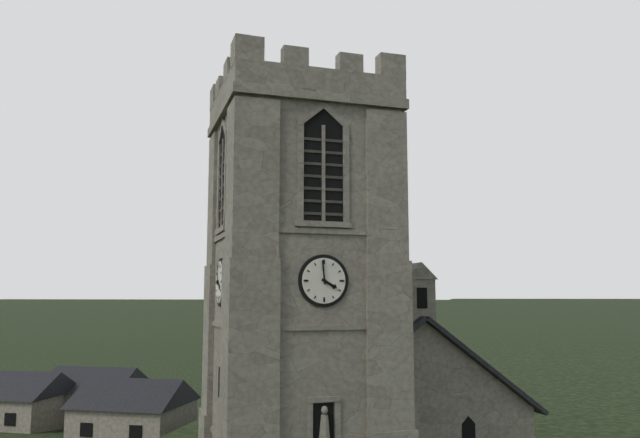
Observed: 3,59
